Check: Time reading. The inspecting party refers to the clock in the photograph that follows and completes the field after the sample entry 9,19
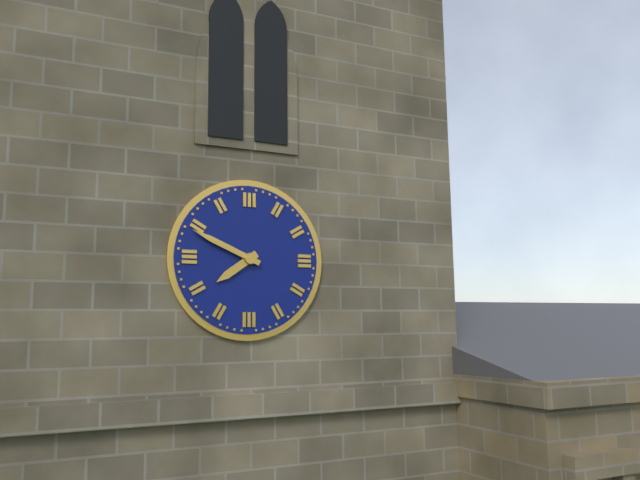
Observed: 7,49
